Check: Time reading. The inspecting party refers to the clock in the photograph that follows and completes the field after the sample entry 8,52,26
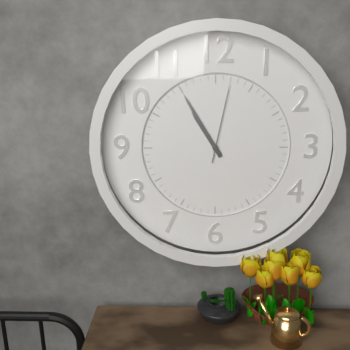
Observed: 10,55,02
